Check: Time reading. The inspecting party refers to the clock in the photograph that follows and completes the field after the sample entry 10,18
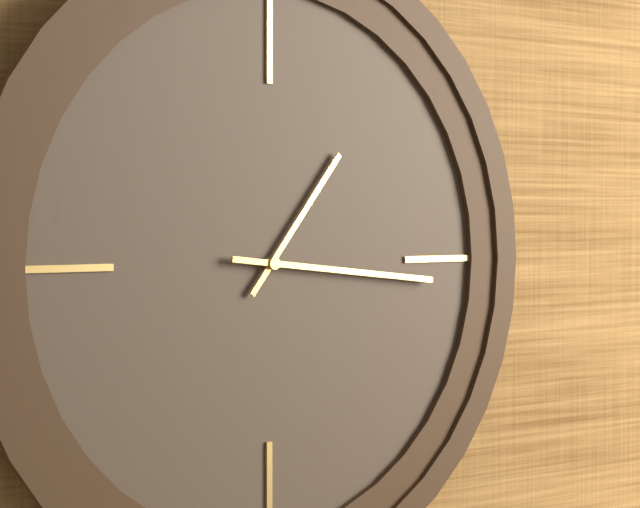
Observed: 1,16
